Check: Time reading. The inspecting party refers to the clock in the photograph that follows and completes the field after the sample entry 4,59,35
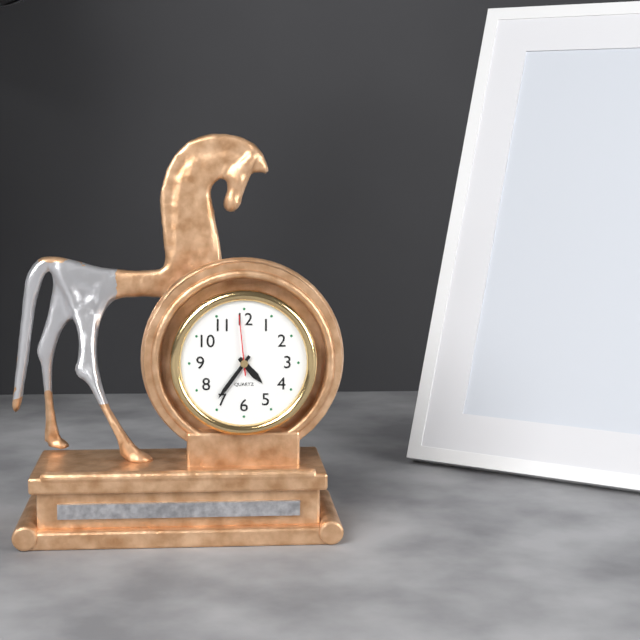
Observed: 4,36,59
